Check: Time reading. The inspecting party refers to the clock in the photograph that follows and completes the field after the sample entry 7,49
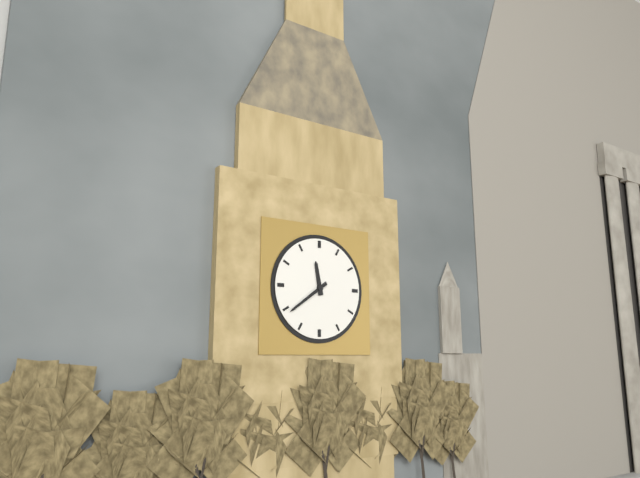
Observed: 11,39
